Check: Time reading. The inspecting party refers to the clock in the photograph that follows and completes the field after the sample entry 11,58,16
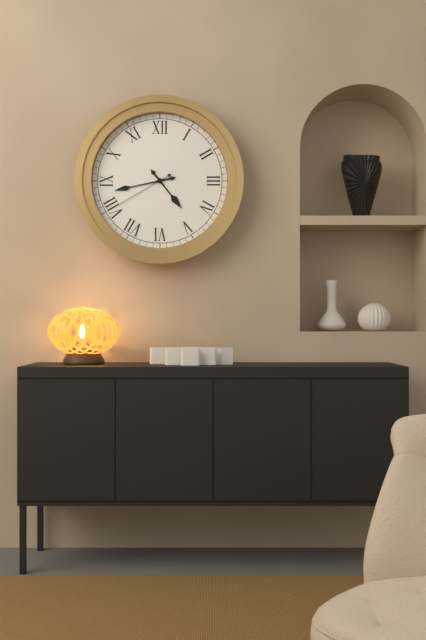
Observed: 4,43,40
